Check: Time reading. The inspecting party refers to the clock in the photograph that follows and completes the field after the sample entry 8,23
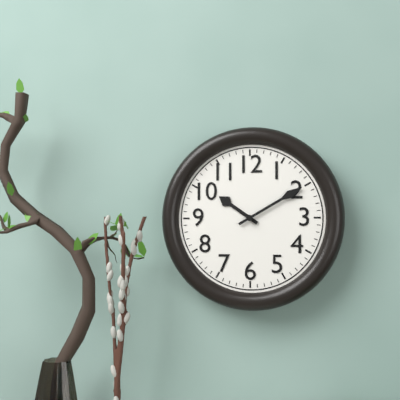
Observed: 10,10
